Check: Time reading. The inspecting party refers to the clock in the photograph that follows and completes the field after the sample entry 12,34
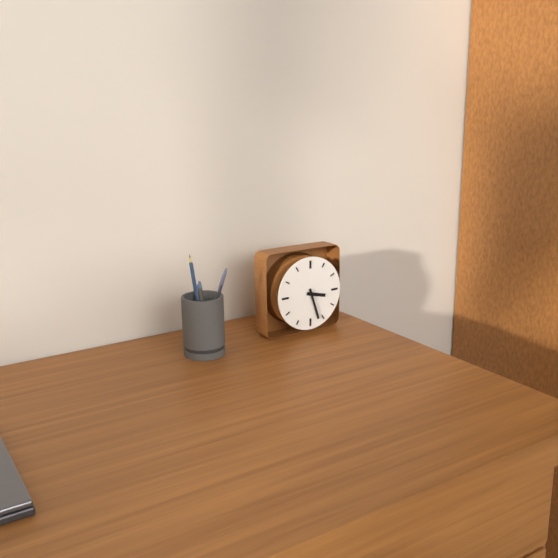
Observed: 3,27
